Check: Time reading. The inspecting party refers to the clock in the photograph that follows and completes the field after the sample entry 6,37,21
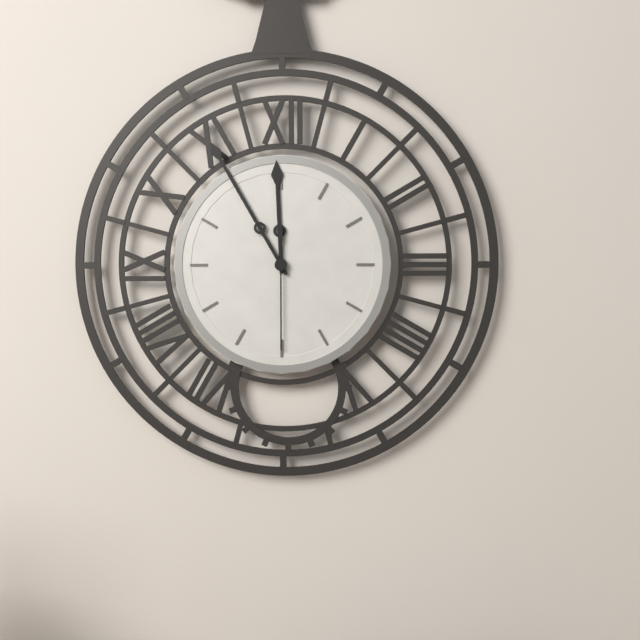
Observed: 11,55,30
